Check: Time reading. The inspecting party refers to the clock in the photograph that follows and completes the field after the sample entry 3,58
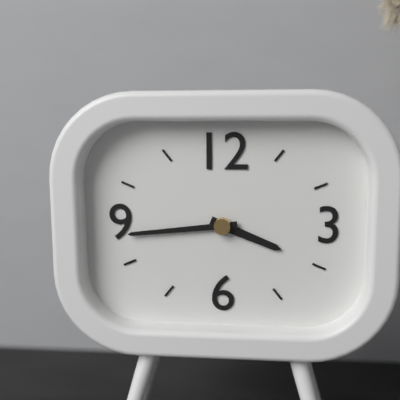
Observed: 3,44
